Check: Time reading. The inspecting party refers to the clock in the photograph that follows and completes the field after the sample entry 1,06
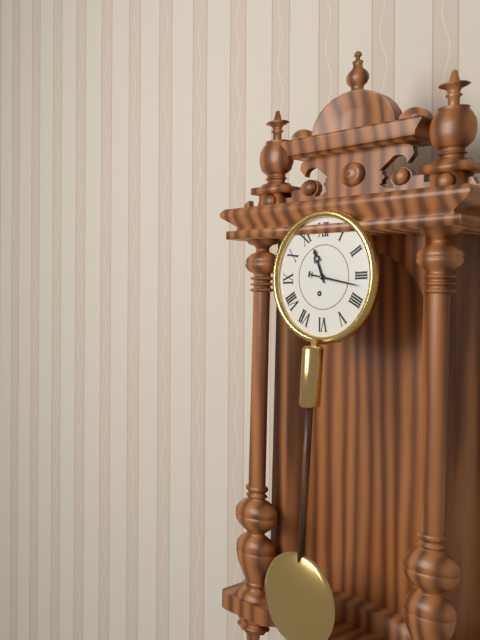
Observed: 11,17
